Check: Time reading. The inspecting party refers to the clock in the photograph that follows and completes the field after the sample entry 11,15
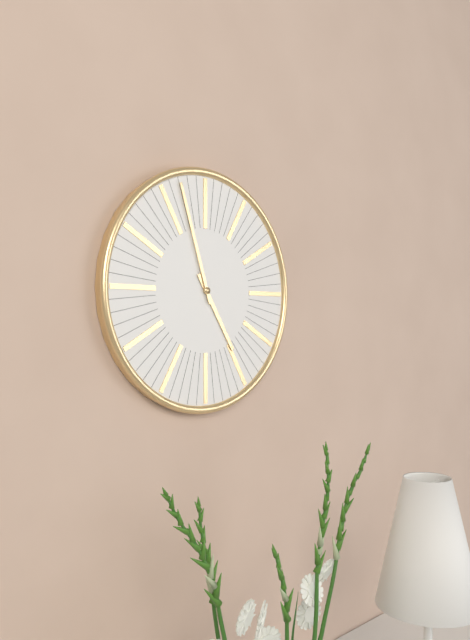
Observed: 4,57
